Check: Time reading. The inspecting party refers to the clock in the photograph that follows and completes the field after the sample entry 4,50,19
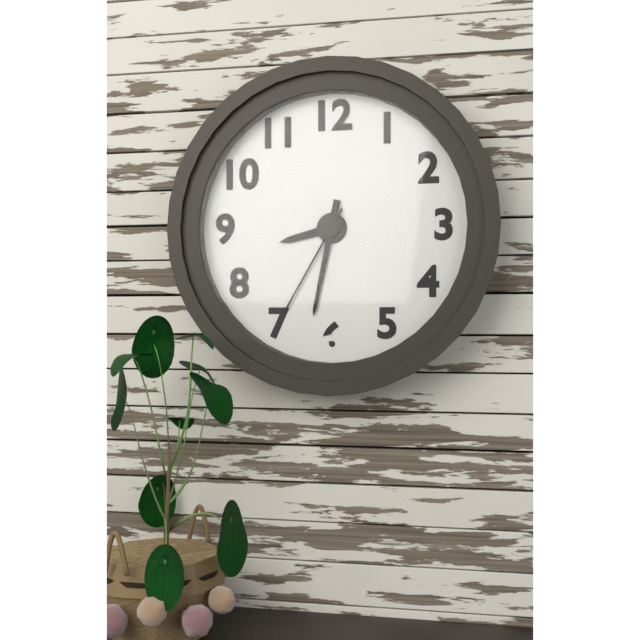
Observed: 8,32,35
